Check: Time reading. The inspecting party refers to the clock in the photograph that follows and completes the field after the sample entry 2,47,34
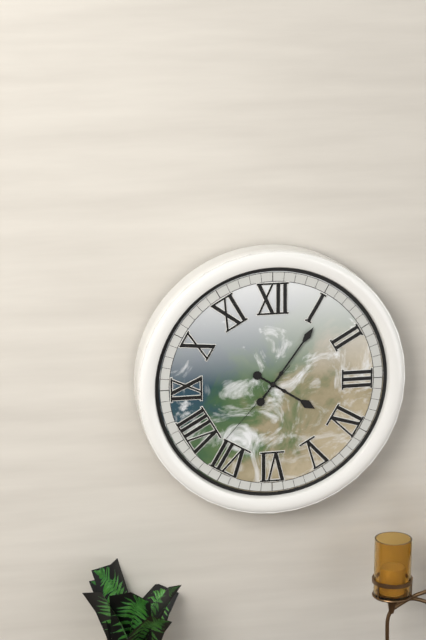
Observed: 4,06,37
